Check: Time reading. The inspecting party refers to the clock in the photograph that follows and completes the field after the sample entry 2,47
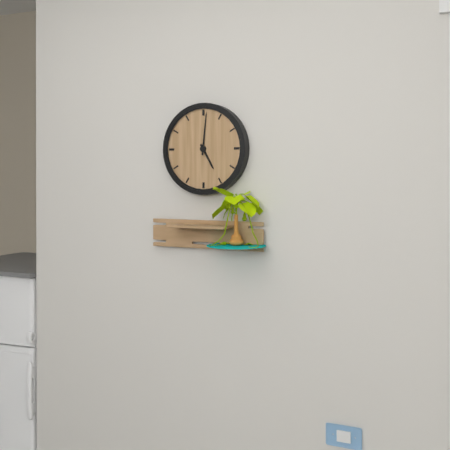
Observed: 5,01
